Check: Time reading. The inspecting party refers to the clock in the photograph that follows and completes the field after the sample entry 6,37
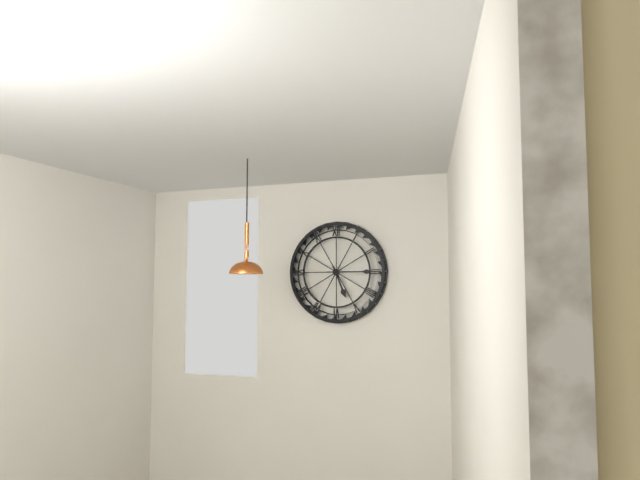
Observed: 5,15
